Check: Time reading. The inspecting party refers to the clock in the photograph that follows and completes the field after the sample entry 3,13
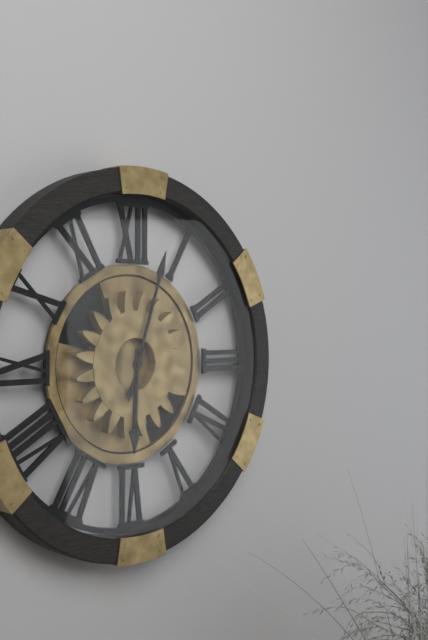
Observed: 6,03
